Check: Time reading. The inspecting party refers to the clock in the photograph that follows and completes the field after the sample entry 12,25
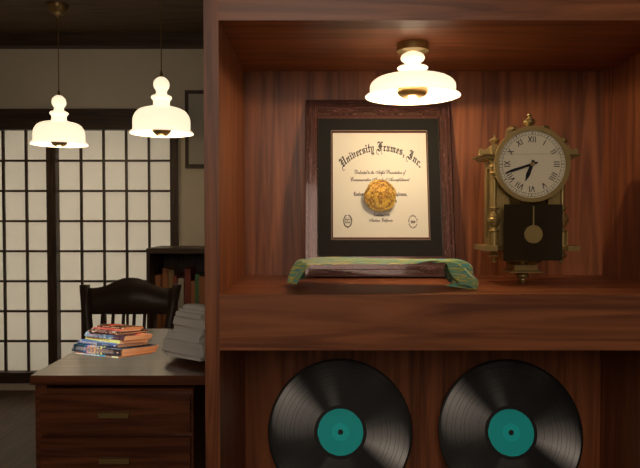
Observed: 6,42
